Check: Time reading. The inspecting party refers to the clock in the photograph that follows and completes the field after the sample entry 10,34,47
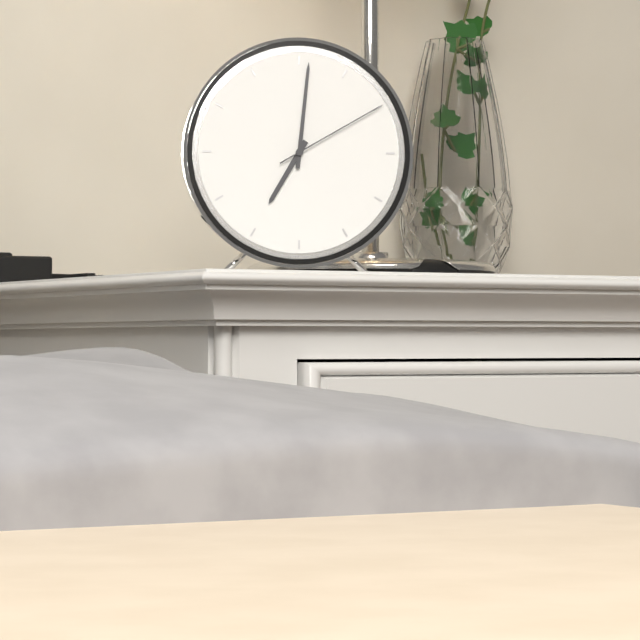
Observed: 7,01,10
